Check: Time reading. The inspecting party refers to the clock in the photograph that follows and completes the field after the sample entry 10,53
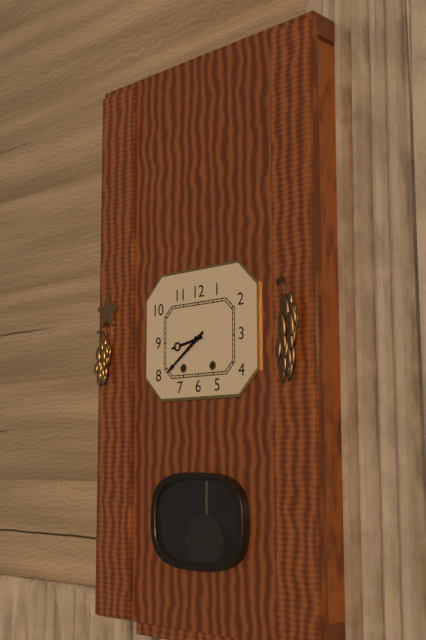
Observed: 8,39
